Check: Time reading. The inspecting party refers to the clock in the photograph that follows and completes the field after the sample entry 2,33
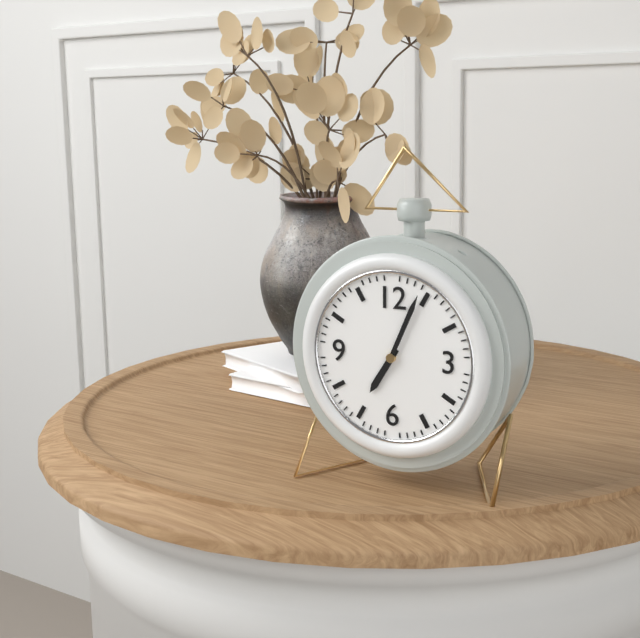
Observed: 7,04
